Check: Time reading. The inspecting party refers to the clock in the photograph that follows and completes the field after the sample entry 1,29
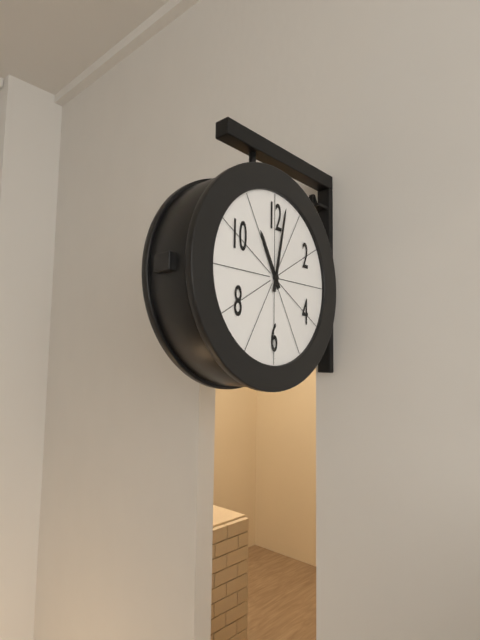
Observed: 11,02
